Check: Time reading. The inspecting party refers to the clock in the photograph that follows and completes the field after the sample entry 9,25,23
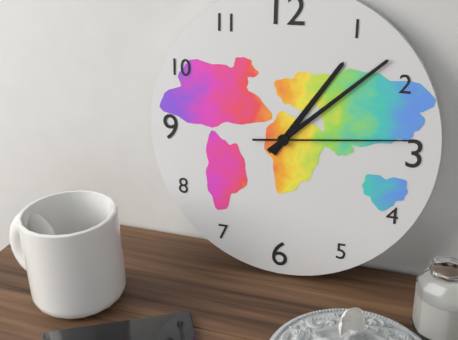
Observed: 1,08,14
